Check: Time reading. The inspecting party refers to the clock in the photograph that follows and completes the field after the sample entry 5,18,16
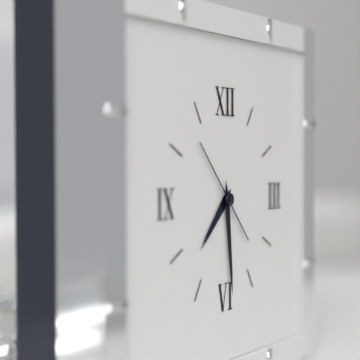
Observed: 7,29,53
